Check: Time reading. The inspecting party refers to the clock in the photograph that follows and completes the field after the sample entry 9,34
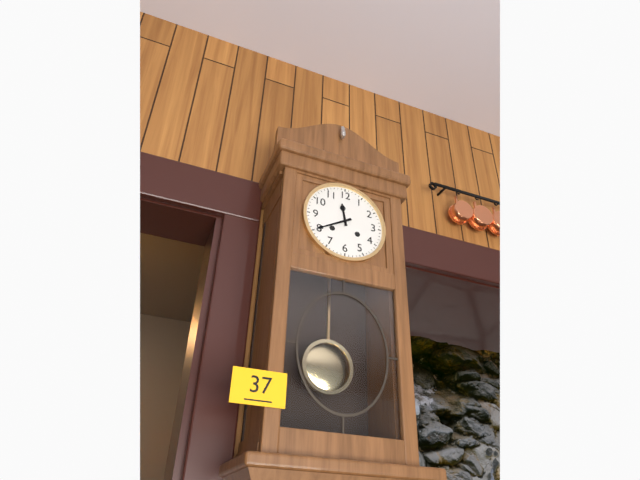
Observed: 11,40
